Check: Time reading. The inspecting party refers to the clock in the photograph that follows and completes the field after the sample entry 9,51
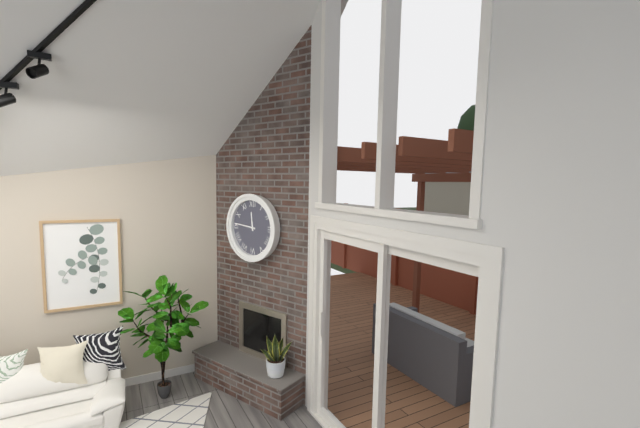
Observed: 11,46
